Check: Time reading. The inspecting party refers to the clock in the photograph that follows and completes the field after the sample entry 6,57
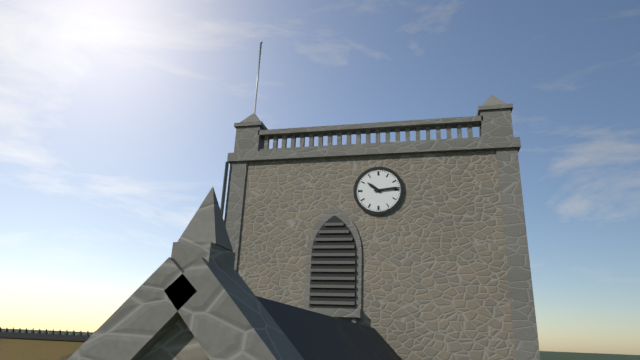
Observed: 10,14
